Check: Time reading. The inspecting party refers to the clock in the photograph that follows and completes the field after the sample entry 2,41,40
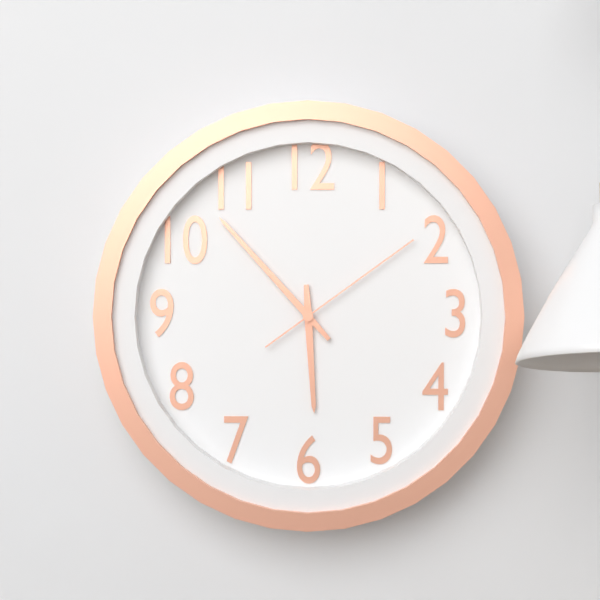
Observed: 5,53,09
